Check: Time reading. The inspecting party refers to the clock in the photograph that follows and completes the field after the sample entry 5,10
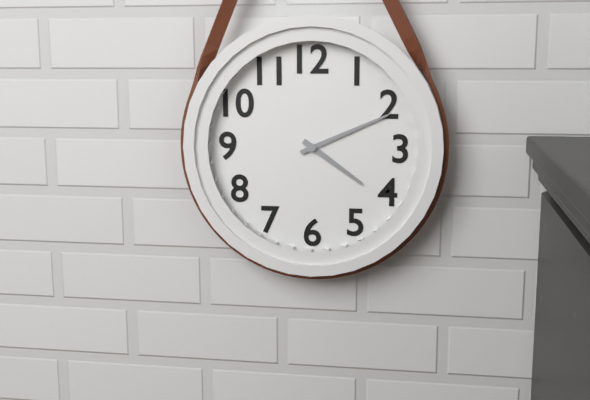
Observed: 4,11
